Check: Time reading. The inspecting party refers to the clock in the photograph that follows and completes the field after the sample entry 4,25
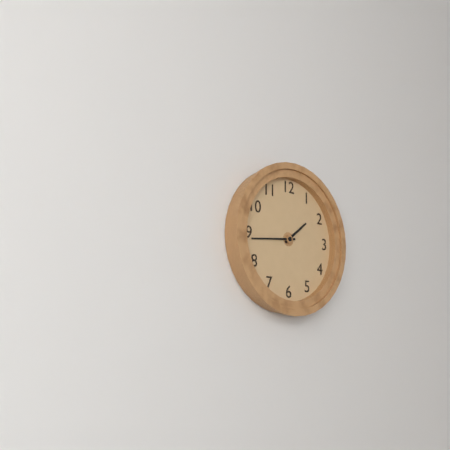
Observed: 1,44
